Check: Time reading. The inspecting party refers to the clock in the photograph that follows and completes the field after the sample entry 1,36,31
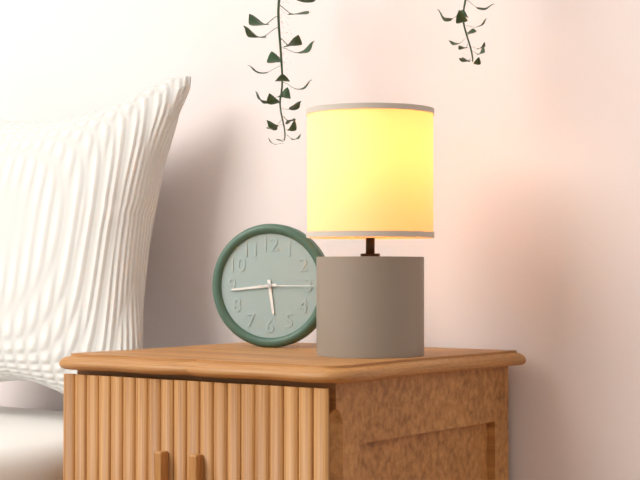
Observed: 5,44,15
